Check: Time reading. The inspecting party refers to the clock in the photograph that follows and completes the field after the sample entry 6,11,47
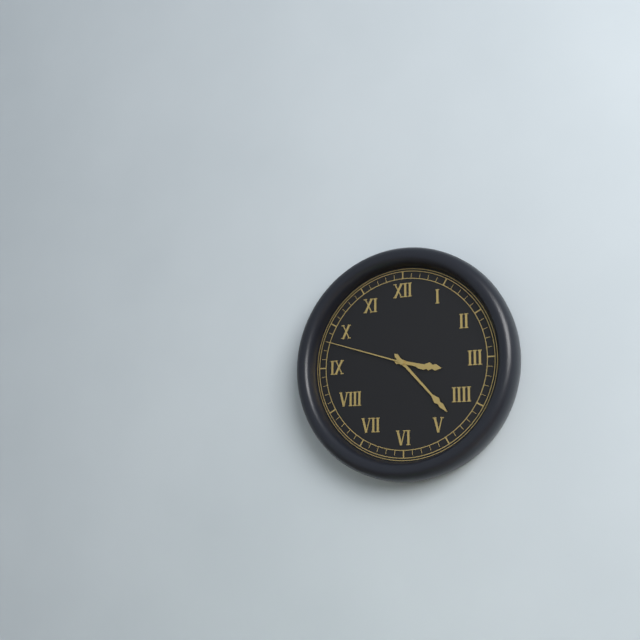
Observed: 3,23,48
